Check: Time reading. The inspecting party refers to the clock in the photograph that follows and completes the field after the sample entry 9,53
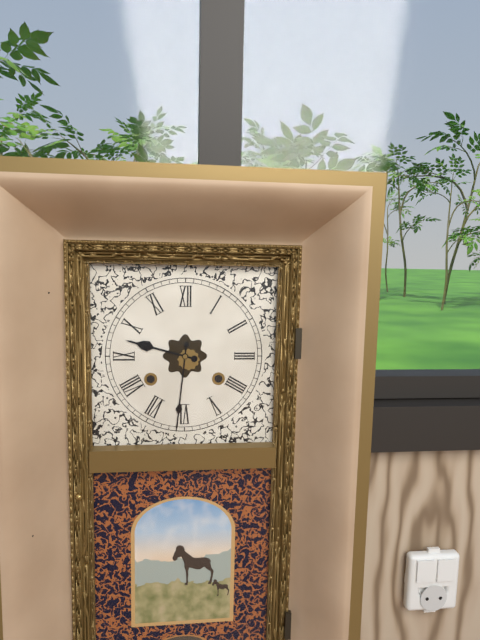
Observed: 9,31
